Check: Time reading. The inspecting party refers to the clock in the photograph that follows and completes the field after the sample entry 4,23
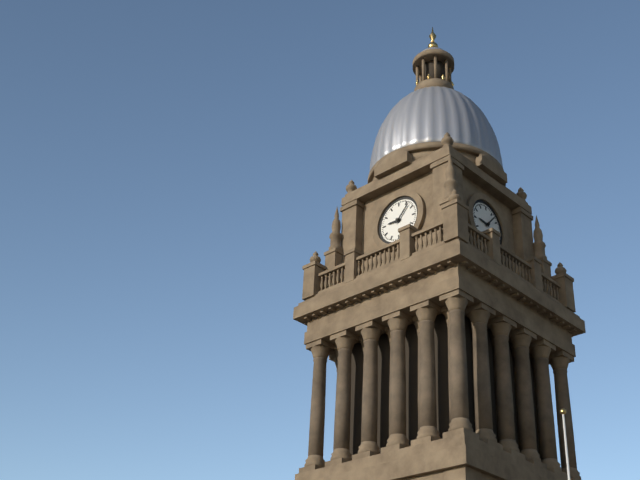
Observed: 9,07
